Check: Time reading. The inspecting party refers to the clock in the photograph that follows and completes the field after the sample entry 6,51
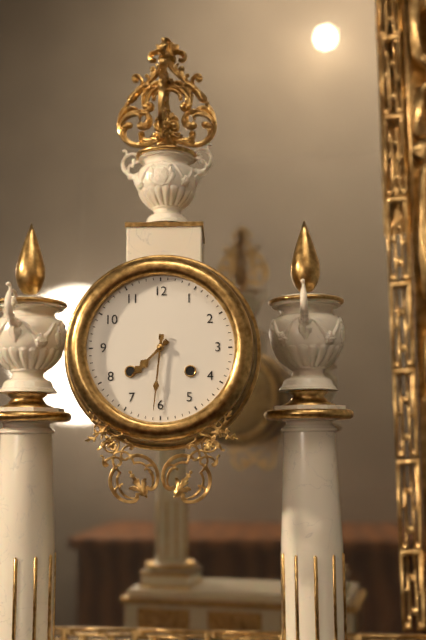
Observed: 7,31
